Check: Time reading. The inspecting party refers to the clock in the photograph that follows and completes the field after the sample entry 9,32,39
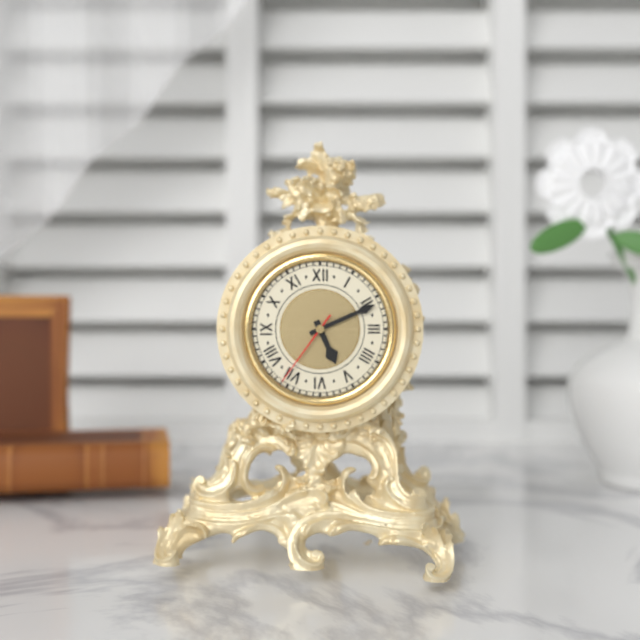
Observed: 5,11,36
